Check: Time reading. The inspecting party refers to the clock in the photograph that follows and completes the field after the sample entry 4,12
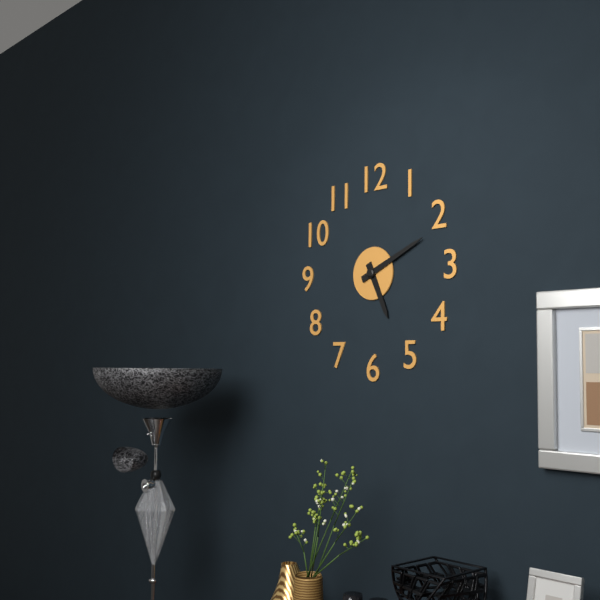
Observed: 5,11
